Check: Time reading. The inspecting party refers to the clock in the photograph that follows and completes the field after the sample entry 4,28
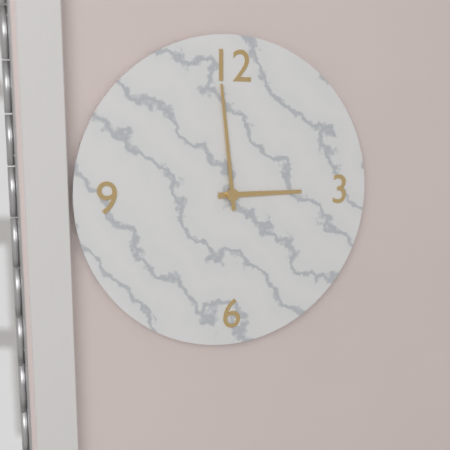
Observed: 2,59
